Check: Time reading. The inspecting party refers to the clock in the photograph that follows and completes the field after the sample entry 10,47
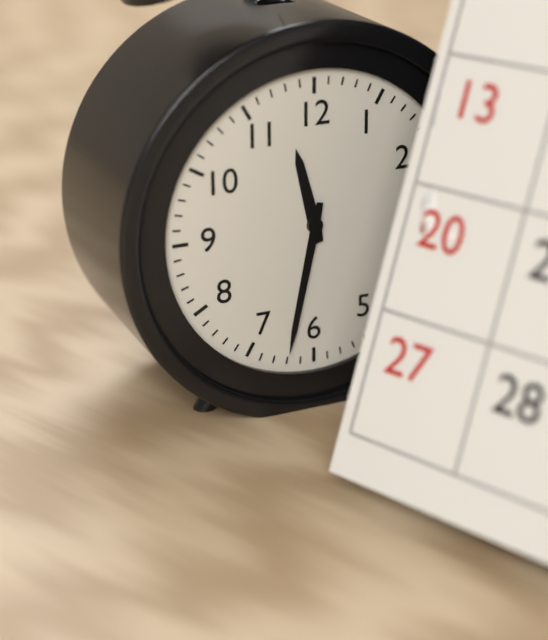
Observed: 11,32
